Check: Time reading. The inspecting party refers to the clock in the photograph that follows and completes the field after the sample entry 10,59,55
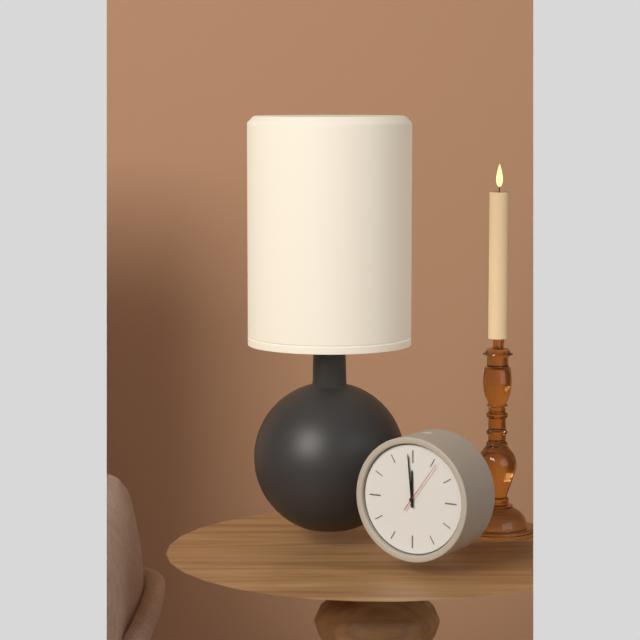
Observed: 11,59,06
